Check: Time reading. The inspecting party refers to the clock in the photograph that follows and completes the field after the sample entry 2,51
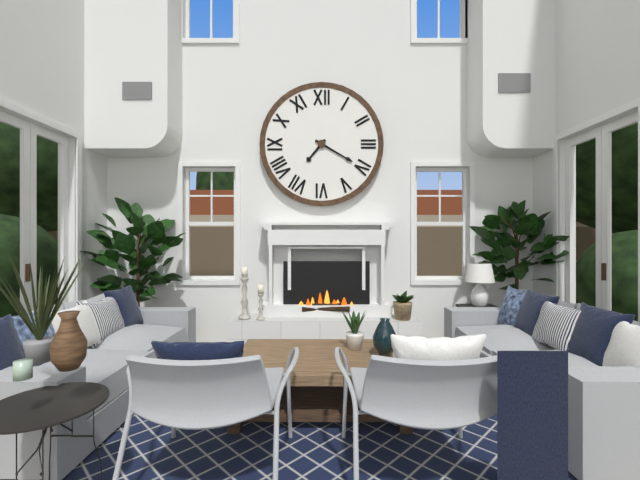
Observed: 7,20
